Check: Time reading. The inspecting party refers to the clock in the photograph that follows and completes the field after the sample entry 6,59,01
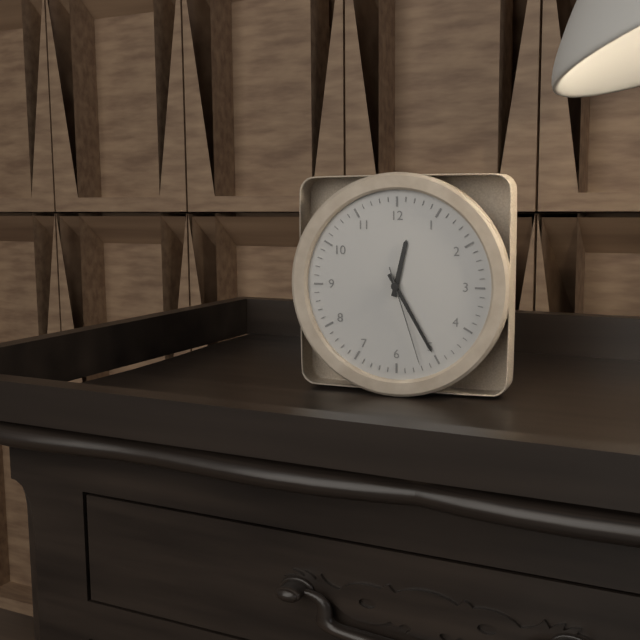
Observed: 12,25,27
